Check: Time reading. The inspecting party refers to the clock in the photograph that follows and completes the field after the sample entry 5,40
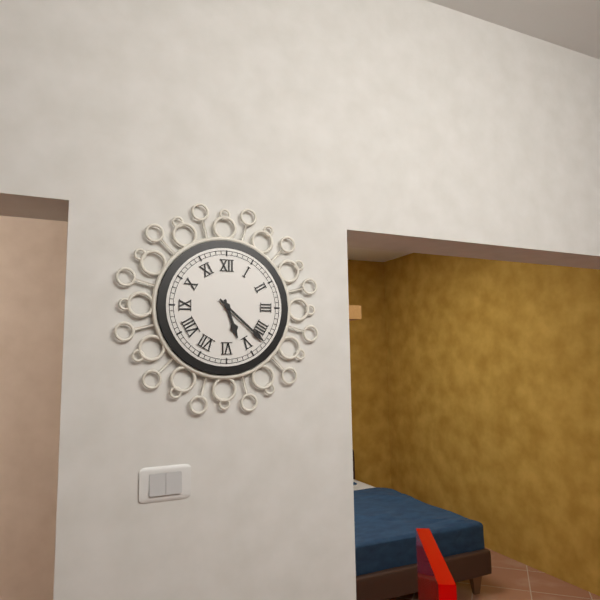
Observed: 5,22
